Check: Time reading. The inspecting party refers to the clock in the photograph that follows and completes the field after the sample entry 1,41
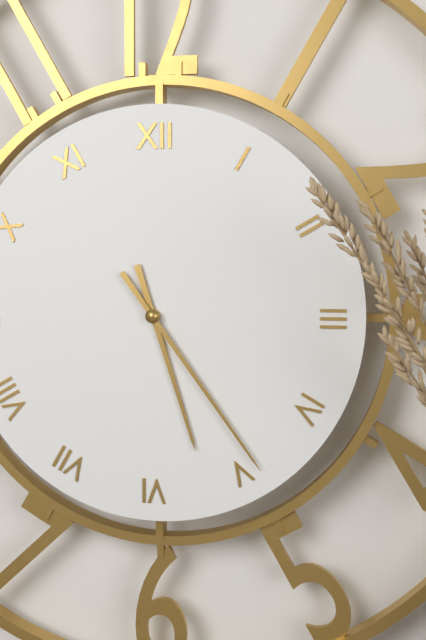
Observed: 5,24
